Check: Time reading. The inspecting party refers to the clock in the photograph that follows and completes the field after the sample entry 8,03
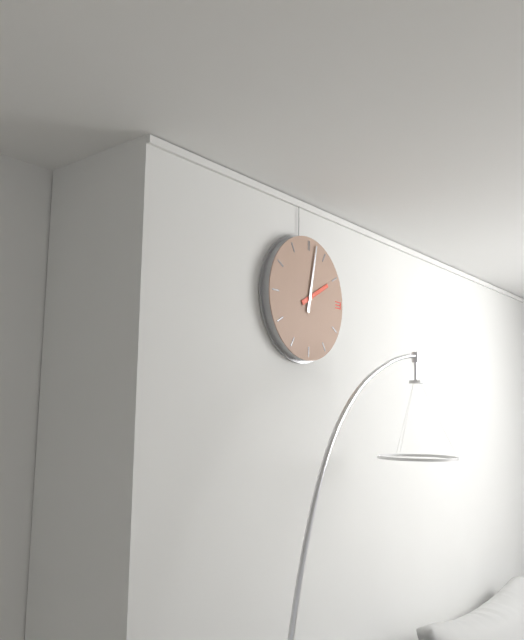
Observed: 2,02
